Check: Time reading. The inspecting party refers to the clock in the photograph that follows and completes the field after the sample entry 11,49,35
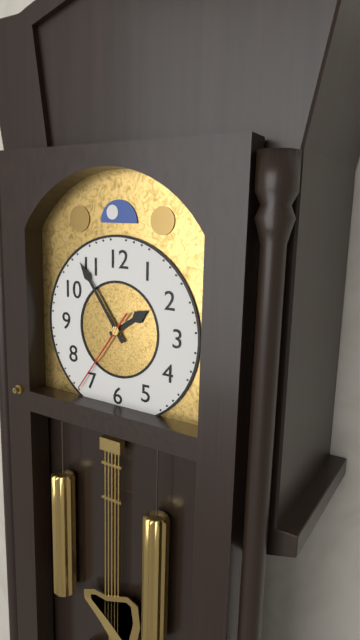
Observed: 1,54,36
